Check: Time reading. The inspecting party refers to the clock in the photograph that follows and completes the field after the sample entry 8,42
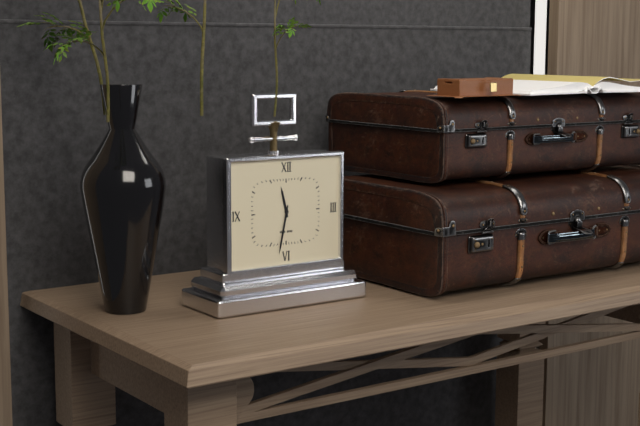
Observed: 11,32
